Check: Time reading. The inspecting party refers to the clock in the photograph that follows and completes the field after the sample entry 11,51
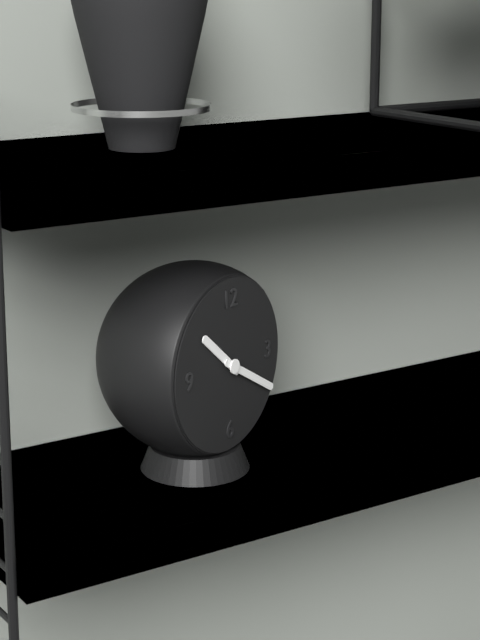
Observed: 10,20
